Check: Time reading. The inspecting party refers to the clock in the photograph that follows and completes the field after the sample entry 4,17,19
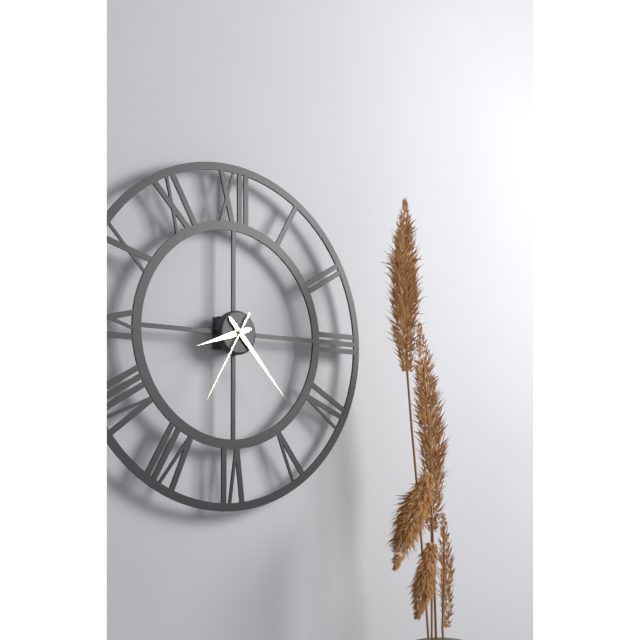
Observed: 8,23,35
